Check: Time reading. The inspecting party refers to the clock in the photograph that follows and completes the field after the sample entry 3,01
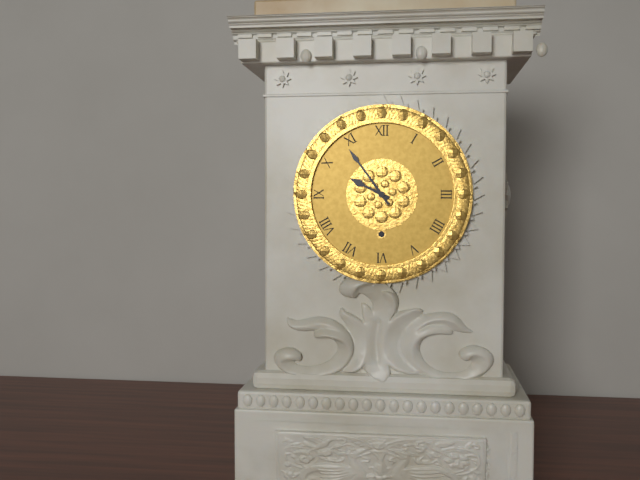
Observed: 9,54
